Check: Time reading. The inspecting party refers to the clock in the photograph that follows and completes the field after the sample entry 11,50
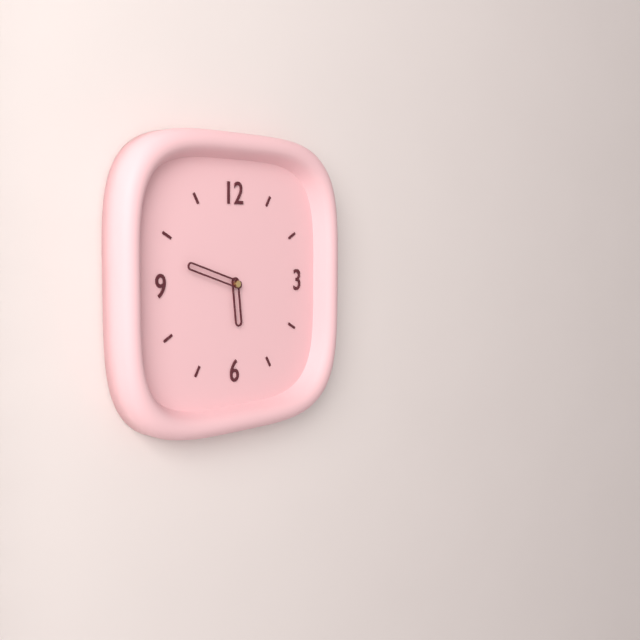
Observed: 5,48
